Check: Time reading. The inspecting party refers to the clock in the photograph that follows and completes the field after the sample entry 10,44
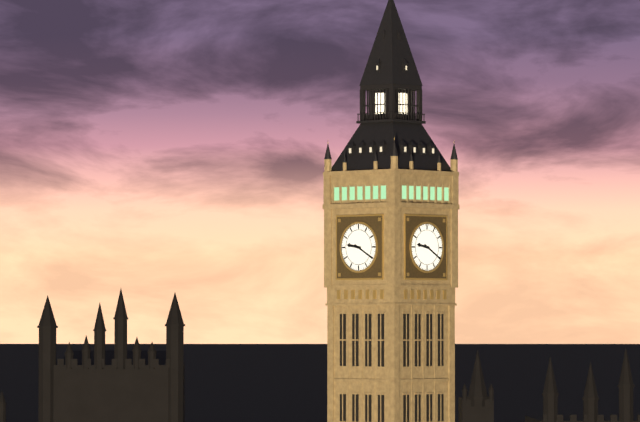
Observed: 9,20
